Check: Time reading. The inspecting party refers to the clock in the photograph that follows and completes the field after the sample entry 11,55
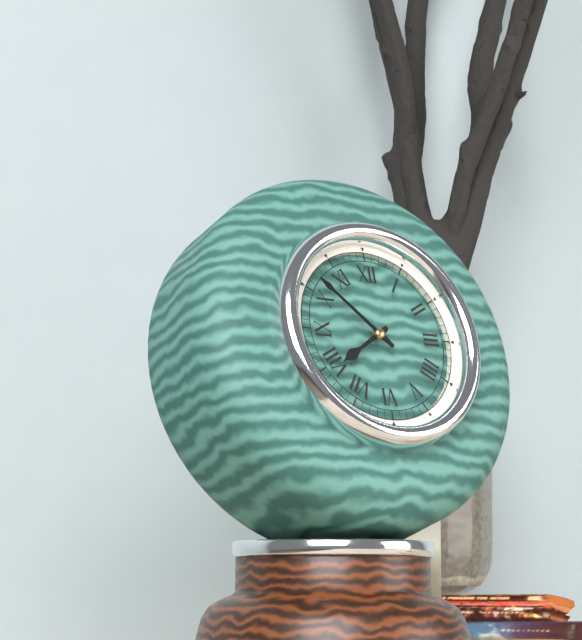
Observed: 7,52
